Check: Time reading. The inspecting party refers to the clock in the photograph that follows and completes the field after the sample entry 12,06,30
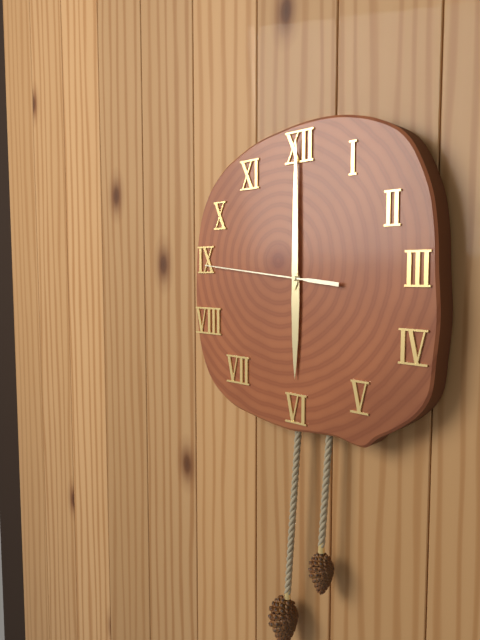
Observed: 6,00,46
